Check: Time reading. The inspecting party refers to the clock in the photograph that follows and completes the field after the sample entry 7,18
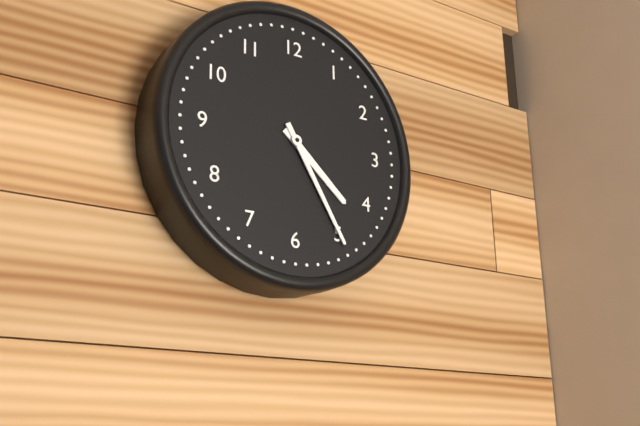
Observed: 4,25
